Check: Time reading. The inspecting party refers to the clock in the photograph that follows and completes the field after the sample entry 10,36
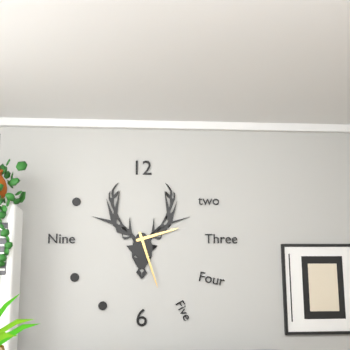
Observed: 2,27
